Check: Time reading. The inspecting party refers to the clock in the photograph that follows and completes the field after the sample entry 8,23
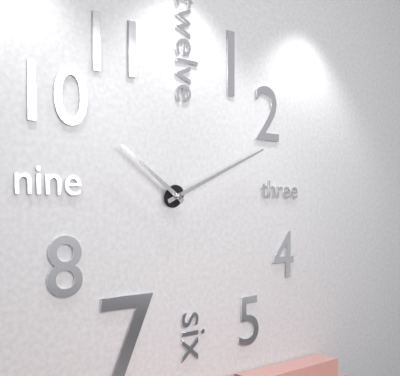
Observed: 10,11
